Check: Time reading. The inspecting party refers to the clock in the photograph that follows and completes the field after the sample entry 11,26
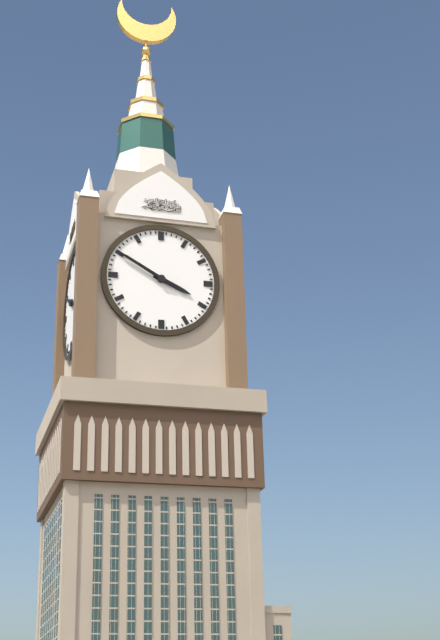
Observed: 3,50
